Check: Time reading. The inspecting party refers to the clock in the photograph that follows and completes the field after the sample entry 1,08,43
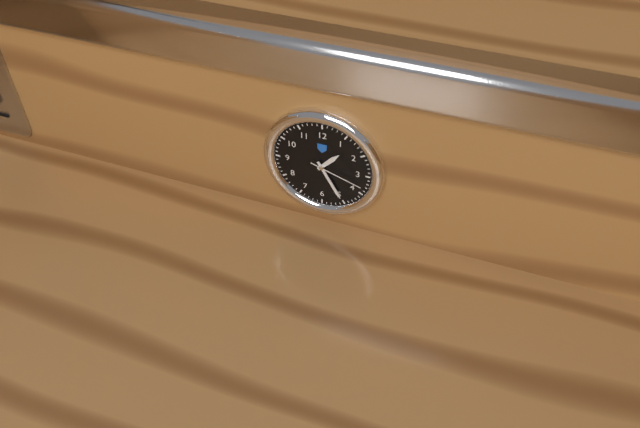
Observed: 1,25,18
